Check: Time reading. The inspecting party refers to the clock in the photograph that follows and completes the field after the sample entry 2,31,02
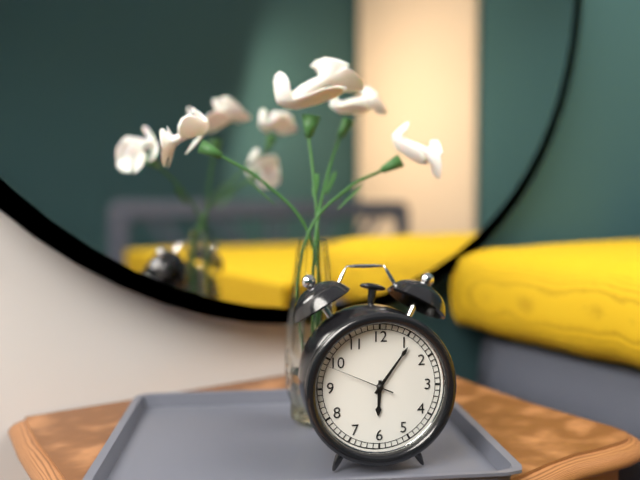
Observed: 6,06,49
